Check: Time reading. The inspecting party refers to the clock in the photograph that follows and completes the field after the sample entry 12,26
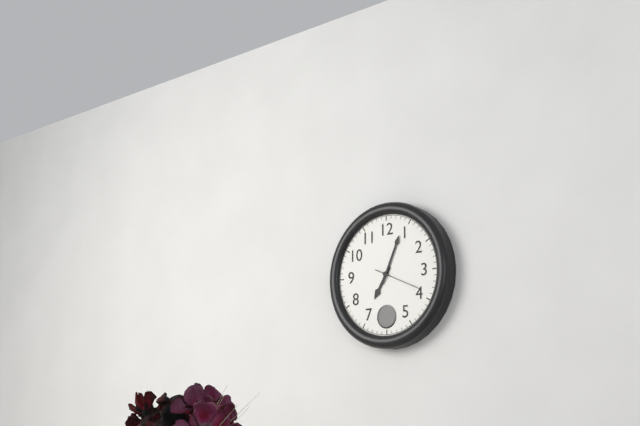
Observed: 7,04
